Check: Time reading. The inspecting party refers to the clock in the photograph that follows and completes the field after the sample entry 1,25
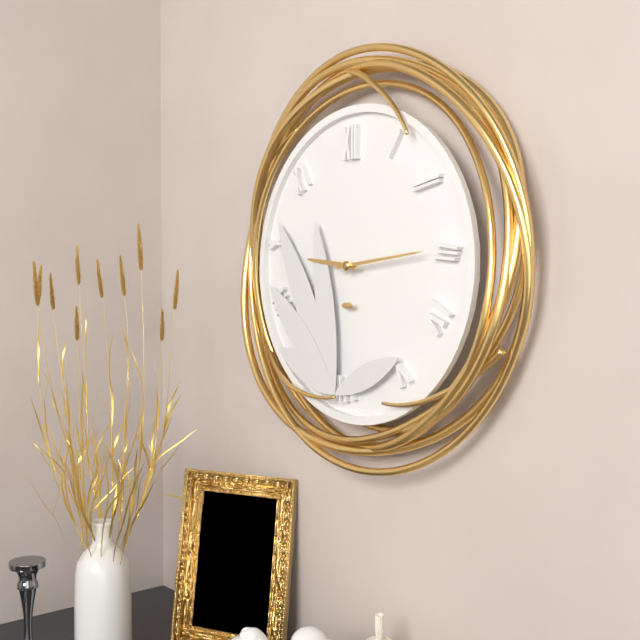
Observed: 9,14
